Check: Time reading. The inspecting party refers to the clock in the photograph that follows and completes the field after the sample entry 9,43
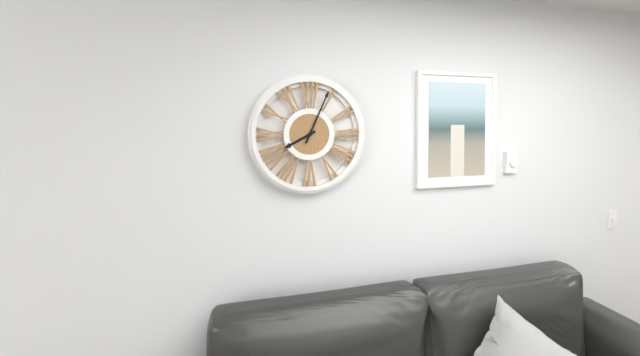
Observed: 8,04
